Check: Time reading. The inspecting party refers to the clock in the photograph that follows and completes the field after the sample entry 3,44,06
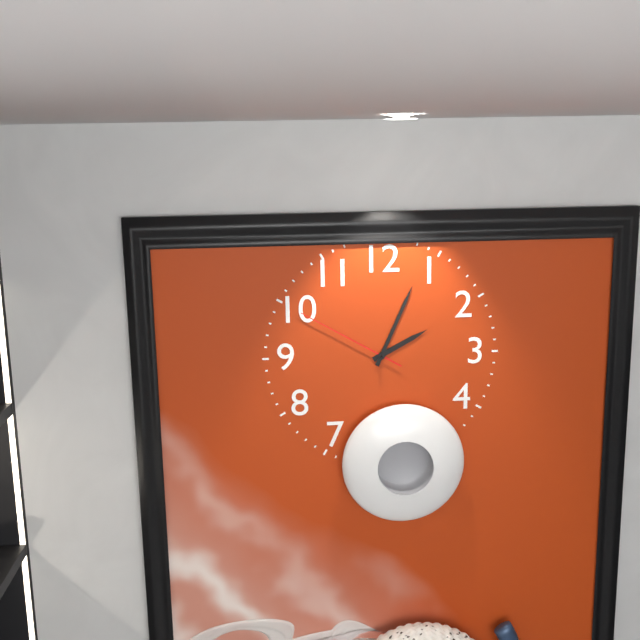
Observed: 2,04,50
